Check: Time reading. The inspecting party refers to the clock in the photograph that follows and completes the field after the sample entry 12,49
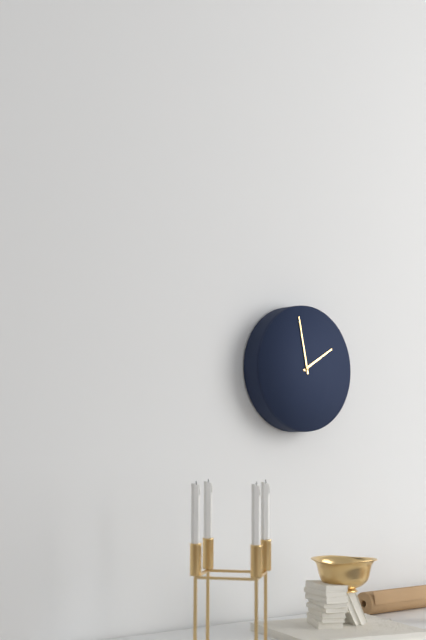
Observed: 1,58
